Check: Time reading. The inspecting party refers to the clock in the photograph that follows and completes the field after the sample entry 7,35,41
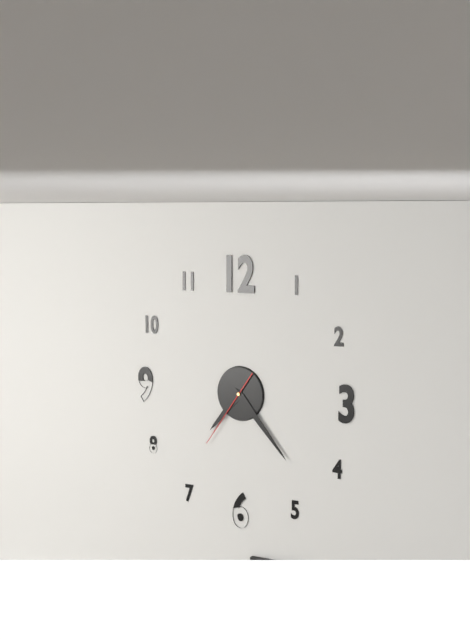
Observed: 7,23,36
